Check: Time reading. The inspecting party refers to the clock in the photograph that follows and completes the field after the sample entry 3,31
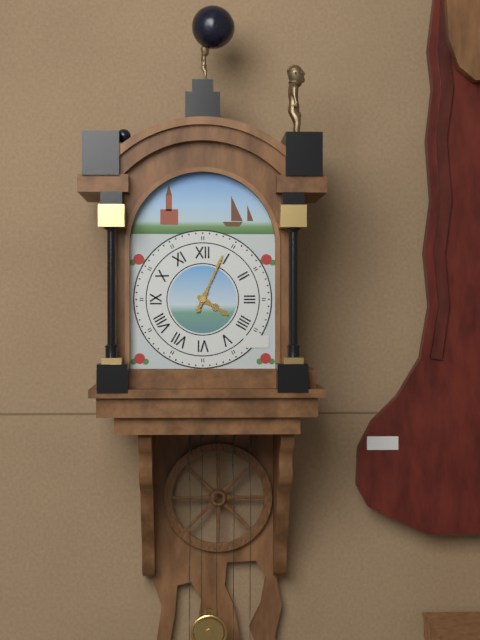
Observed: 4,04
